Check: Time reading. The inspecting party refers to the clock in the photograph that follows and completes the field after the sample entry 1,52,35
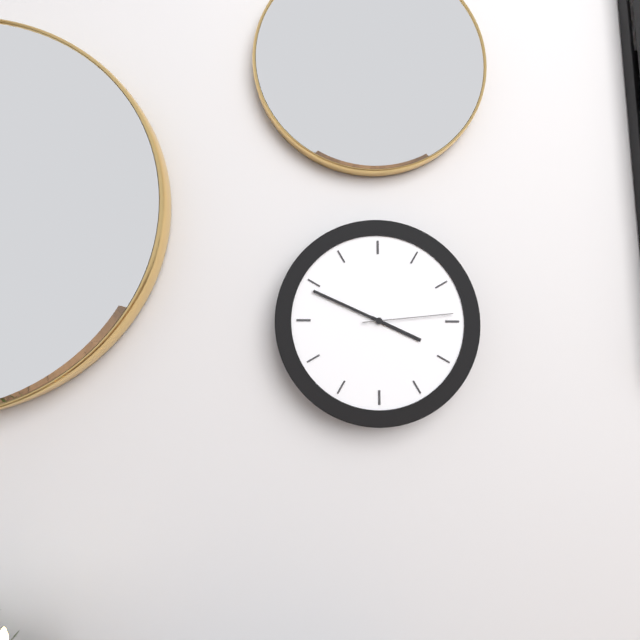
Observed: 3,49,14
